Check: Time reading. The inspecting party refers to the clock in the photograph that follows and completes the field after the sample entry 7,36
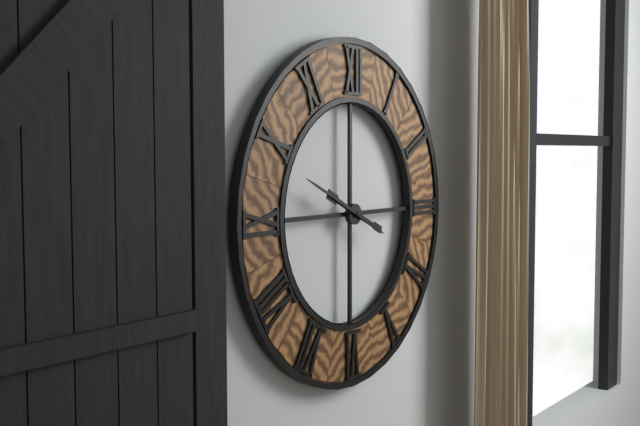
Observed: 3,49
